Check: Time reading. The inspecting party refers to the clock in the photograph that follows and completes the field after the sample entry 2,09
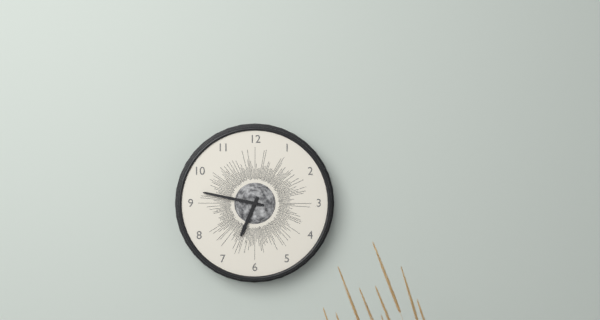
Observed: 6,47
